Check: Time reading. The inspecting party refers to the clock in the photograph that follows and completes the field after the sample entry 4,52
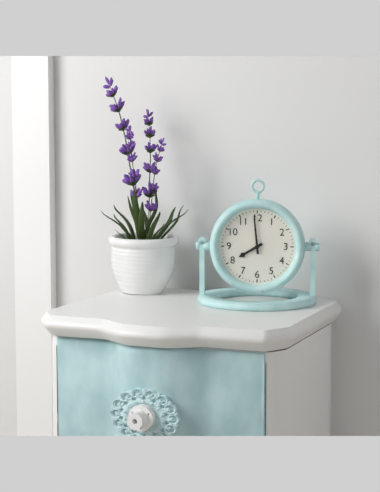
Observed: 7,59
